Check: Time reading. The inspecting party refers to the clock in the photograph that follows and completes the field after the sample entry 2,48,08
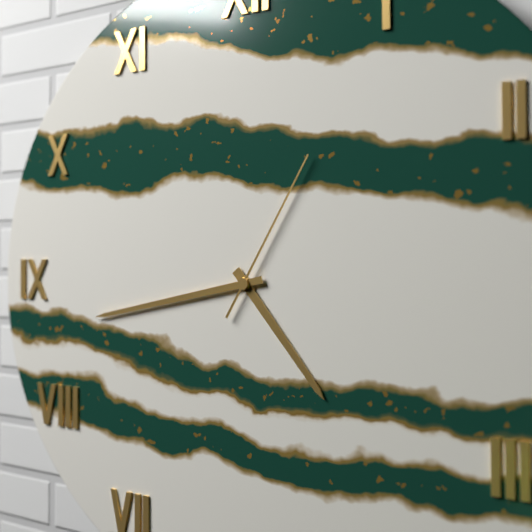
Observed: 4,43,05
